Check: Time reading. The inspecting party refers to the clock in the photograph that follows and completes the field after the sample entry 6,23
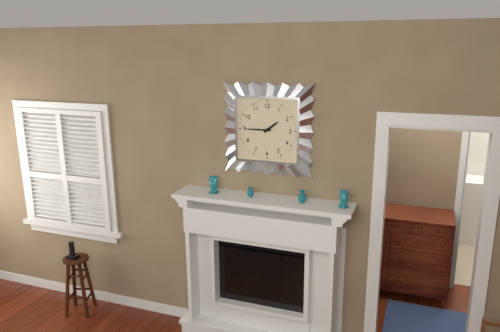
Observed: 1,45
